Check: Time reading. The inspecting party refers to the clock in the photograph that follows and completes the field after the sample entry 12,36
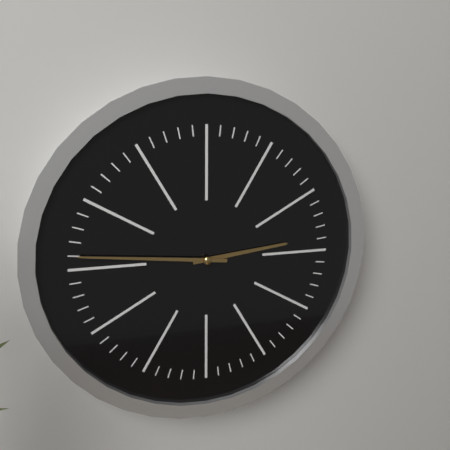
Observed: 2,46
